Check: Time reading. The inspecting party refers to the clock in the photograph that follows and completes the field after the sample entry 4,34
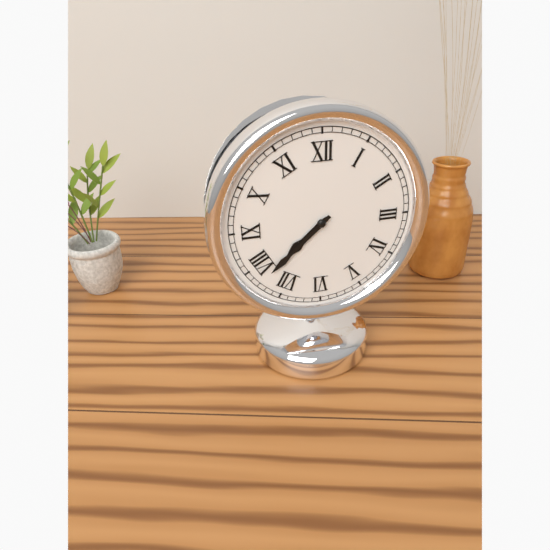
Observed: 7,38
